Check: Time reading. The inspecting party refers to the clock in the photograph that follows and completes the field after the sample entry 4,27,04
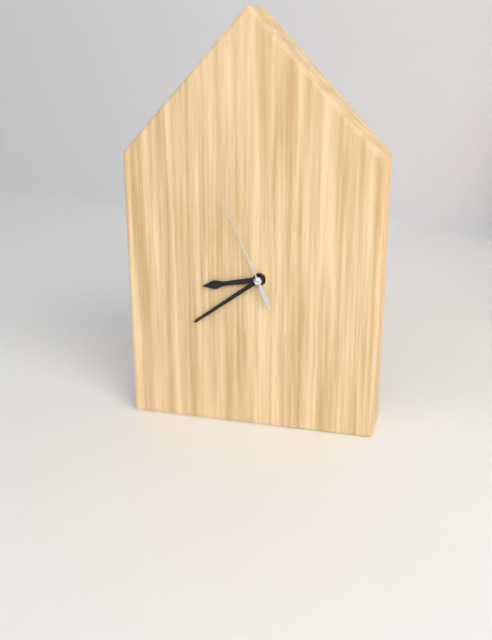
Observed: 8,39,56
